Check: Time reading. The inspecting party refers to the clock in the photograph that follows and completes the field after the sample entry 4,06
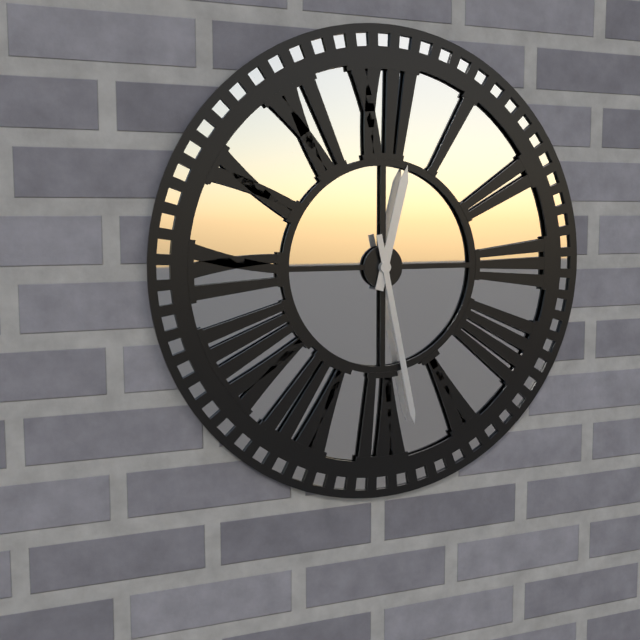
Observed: 12,28
